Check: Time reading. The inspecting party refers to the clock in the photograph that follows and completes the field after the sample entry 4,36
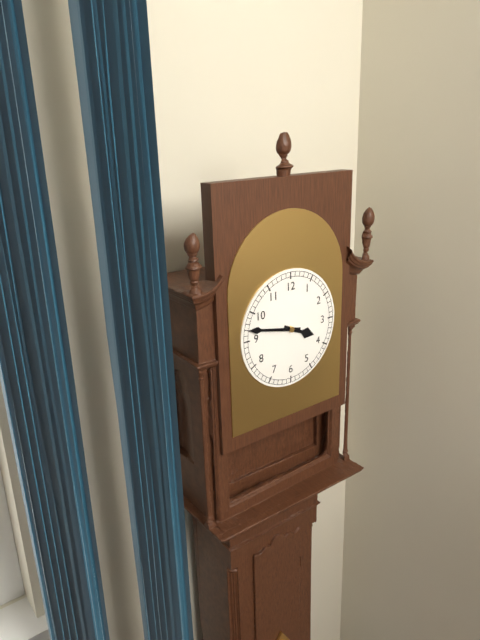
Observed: 3,47
